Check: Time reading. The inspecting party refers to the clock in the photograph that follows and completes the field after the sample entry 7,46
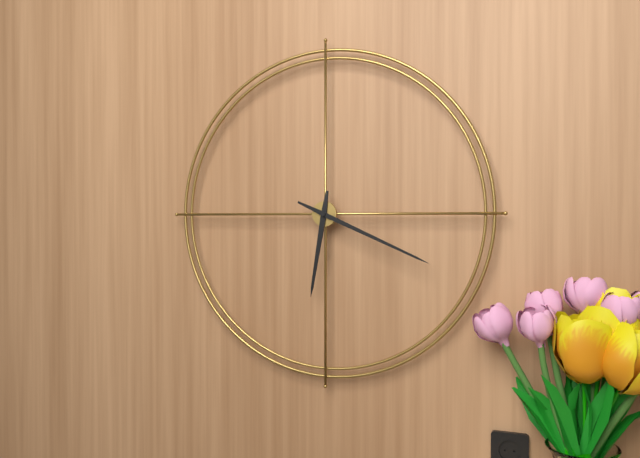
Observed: 6,19
